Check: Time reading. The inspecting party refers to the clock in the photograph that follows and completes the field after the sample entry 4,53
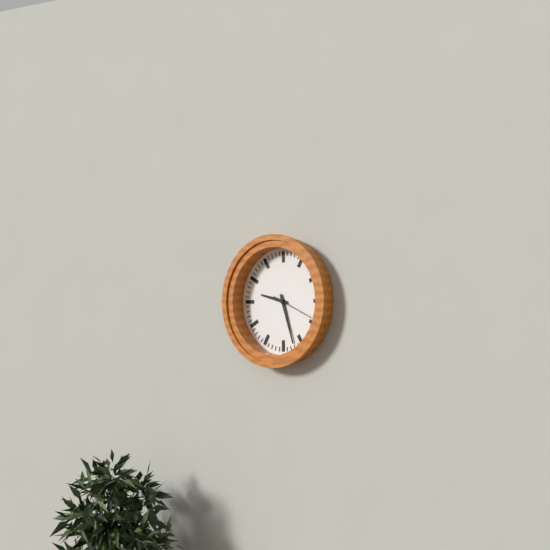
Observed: 9,27
